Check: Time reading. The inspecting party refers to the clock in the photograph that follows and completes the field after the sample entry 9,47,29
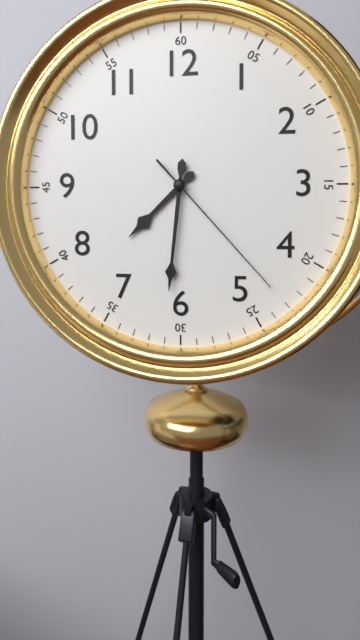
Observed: 7,31,23
